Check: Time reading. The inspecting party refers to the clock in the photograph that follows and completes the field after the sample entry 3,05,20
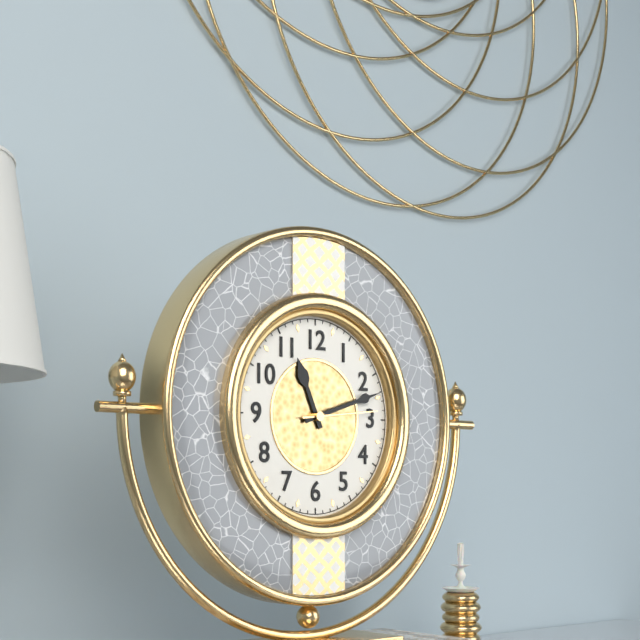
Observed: 11,12,14
